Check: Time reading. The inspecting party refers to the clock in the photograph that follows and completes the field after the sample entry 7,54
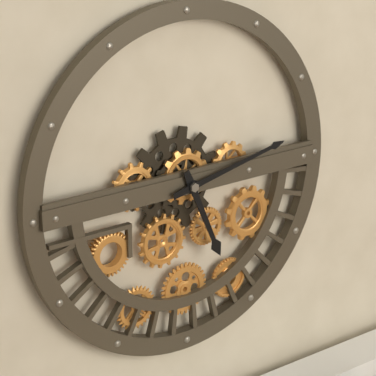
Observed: 5,13
